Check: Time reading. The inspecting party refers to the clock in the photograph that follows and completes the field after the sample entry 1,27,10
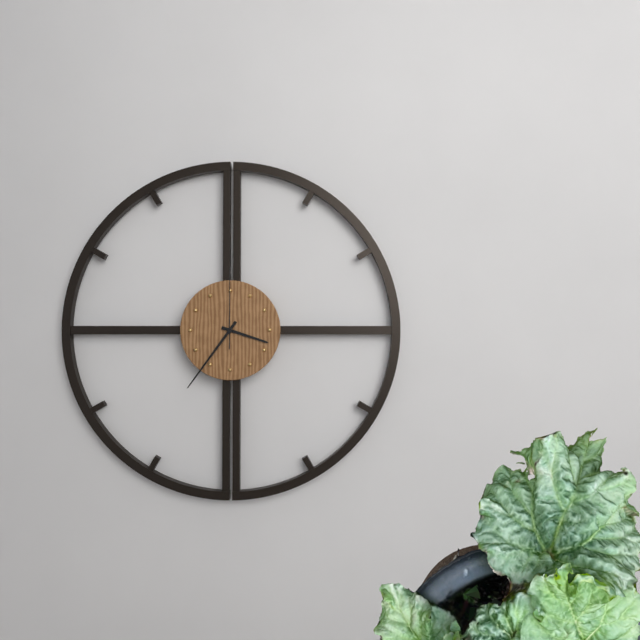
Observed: 3,36,00
